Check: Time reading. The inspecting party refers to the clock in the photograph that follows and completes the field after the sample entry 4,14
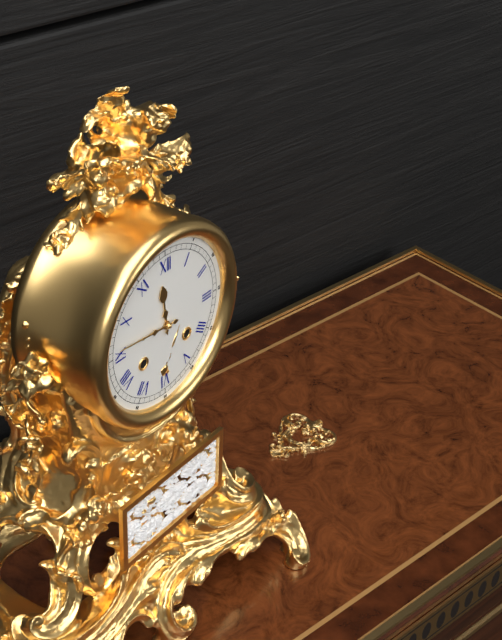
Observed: 11,46
